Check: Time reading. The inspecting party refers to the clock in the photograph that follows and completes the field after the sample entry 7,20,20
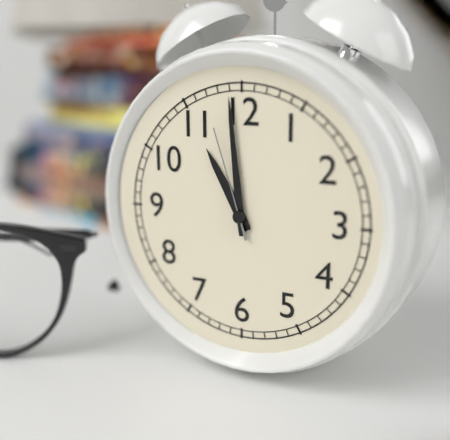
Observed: 10,59,57
